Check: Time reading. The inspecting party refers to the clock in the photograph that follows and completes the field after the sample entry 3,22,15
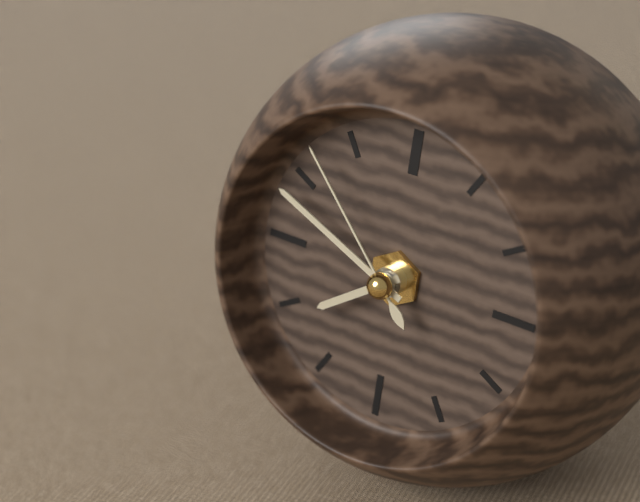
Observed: 7,49,53
